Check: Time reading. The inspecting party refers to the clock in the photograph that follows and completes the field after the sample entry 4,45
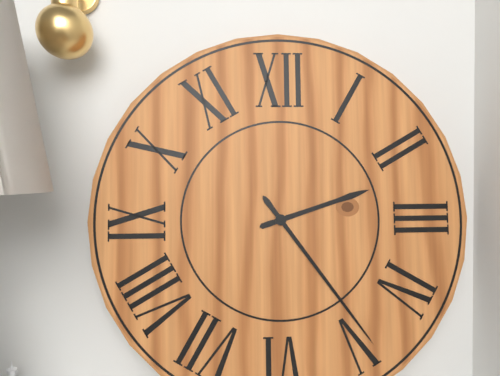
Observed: 2,24
